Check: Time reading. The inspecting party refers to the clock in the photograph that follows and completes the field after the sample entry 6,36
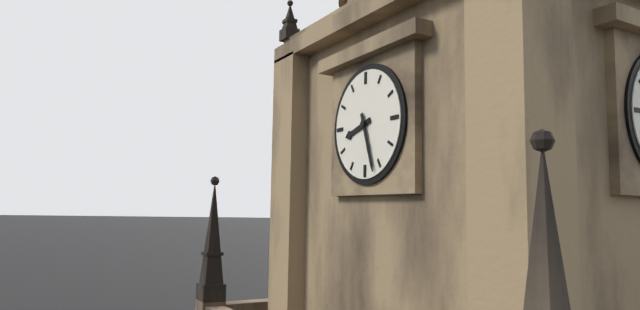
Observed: 8,27
